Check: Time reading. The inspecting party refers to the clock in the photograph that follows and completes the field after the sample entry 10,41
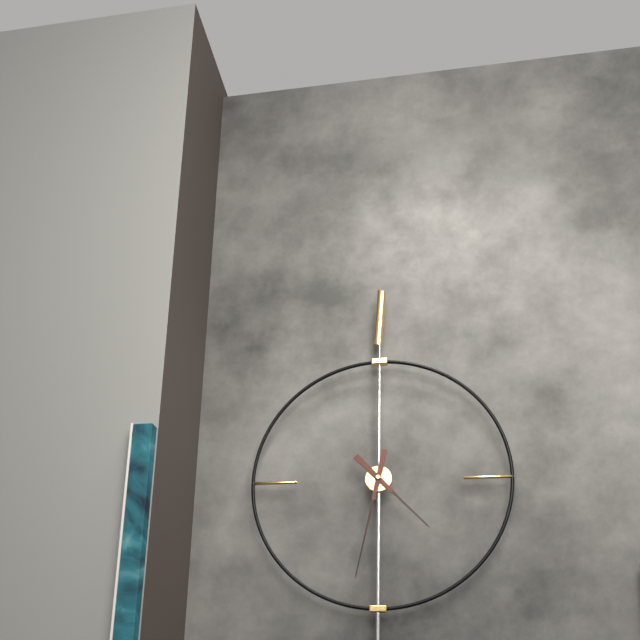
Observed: 4,32
